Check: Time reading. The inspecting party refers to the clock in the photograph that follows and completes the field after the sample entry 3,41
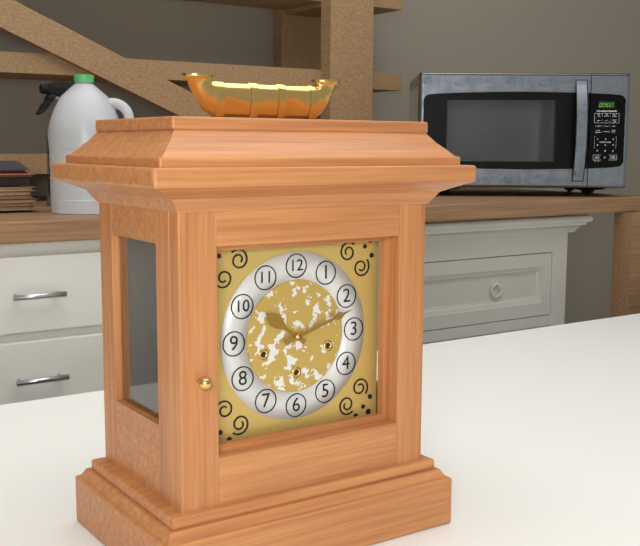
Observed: 10,12
